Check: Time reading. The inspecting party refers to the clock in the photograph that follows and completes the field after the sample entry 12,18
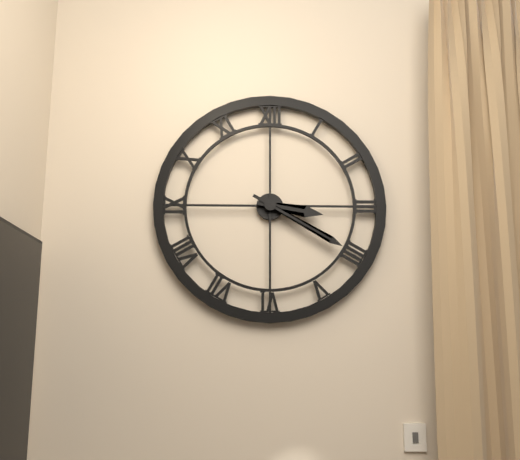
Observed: 3,20
